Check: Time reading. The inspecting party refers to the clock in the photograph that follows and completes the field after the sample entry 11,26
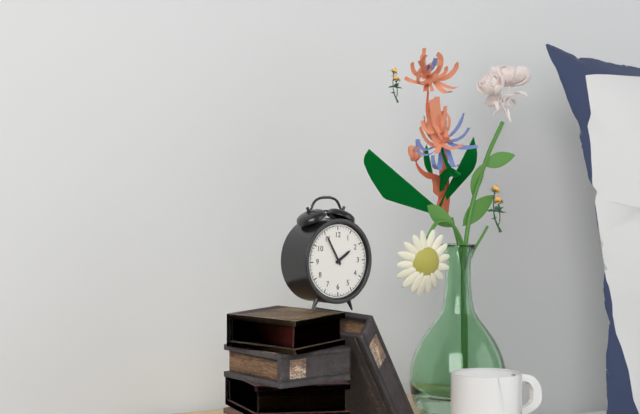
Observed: 1,55
